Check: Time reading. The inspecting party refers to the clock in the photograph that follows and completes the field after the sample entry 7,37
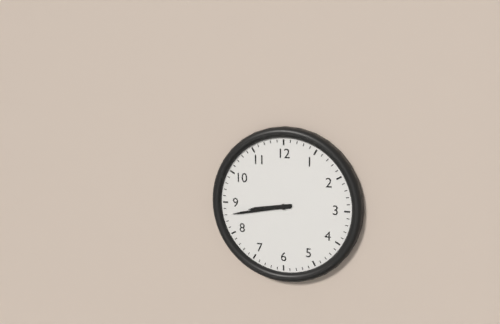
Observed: 8,43
